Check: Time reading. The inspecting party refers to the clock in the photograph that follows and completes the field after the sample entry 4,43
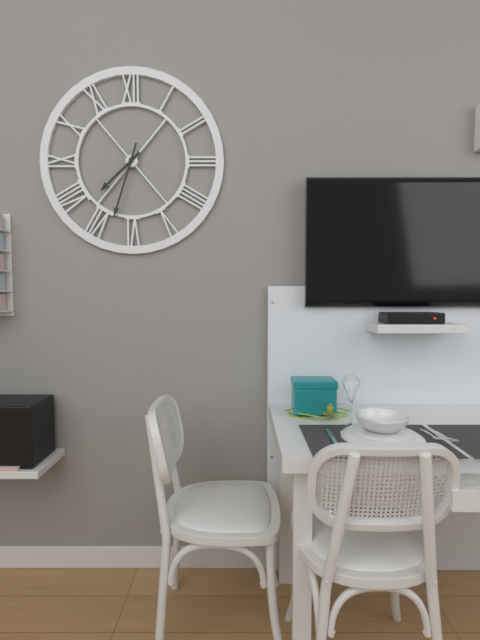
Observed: 7,33
